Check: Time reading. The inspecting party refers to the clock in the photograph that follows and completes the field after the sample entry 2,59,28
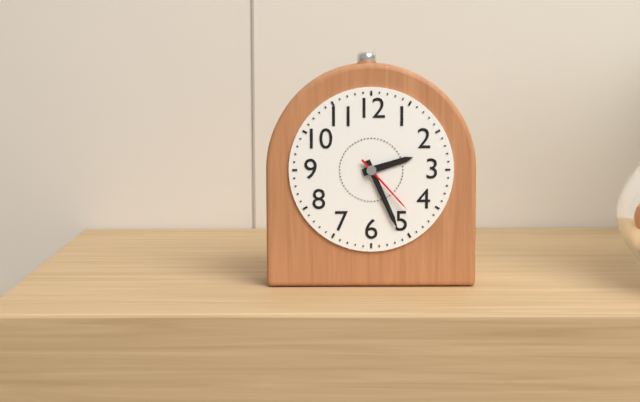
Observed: 2,26,23
